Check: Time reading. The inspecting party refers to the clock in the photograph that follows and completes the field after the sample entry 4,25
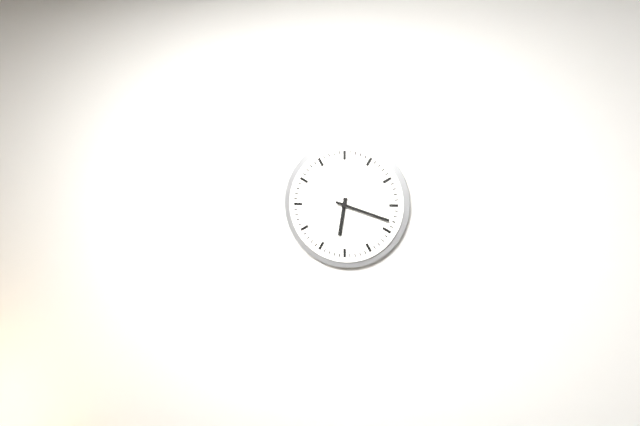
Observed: 6,18
